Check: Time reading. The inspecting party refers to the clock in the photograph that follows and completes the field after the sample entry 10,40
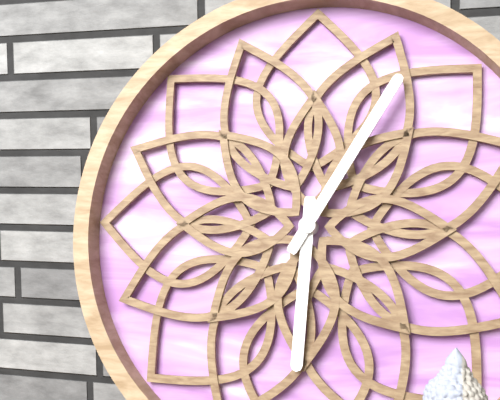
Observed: 6,05
